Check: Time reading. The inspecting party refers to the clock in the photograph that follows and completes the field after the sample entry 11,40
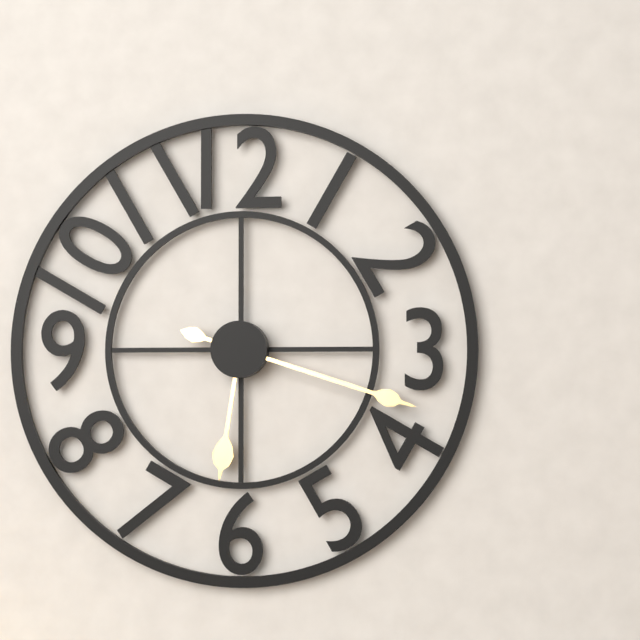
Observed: 6,18
